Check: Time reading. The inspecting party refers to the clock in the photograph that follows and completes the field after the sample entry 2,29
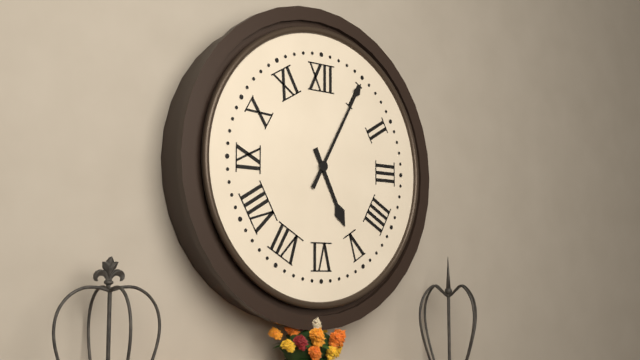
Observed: 5,05
